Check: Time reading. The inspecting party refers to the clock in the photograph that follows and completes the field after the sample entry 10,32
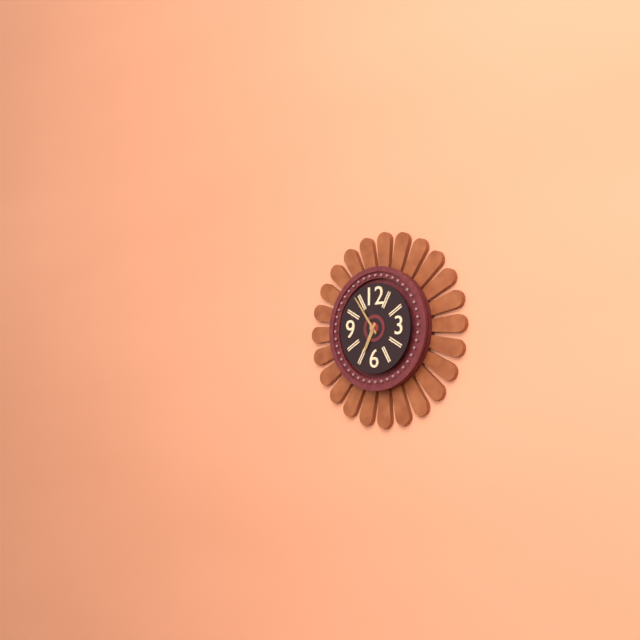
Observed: 6,54
